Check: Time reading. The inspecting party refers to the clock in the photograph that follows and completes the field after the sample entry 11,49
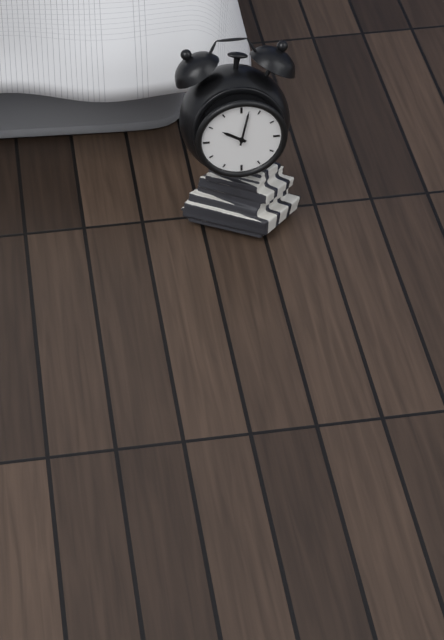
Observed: 10,02
